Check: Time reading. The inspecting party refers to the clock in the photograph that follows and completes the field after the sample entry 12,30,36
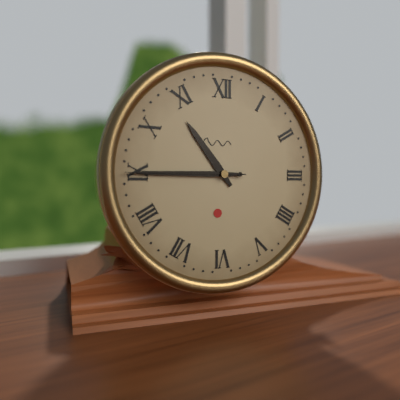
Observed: 10,45,45
